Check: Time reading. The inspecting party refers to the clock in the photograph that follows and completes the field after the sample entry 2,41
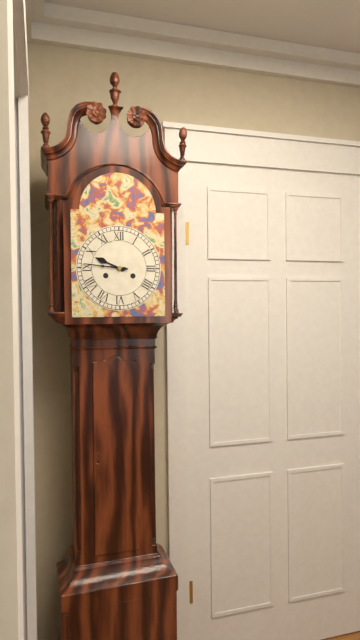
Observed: 9,46
